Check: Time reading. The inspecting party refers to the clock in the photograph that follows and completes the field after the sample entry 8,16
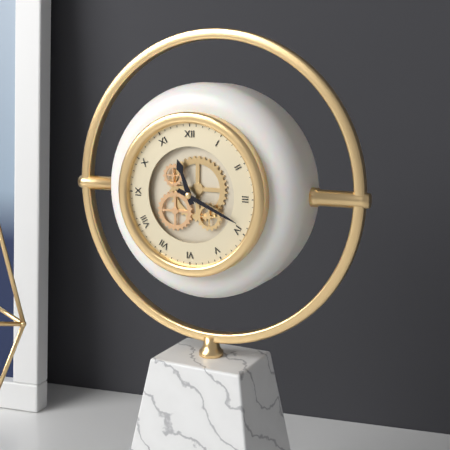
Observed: 11,19
